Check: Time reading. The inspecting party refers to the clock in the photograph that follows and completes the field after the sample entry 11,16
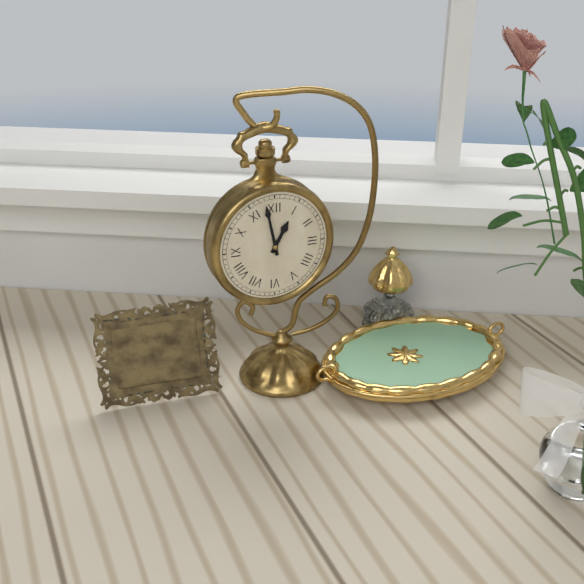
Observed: 12,58
